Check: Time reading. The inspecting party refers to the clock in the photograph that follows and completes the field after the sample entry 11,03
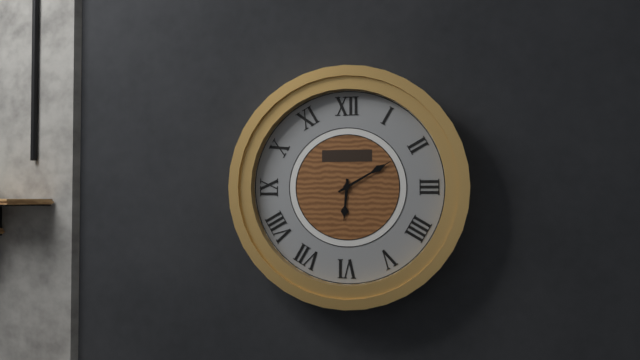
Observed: 6,10
